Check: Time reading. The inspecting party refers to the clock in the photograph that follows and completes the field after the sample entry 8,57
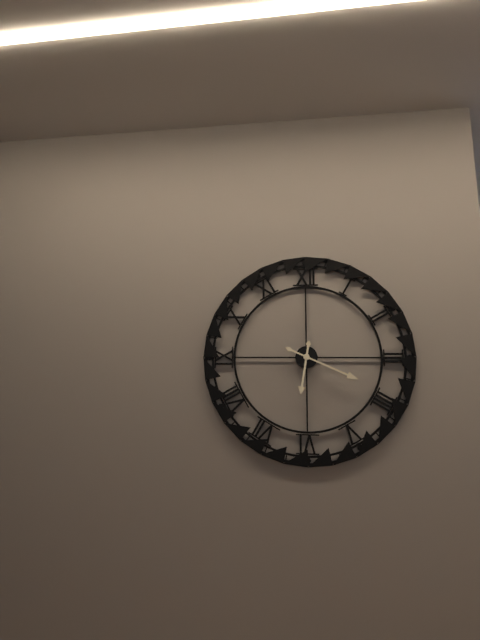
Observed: 6,19
